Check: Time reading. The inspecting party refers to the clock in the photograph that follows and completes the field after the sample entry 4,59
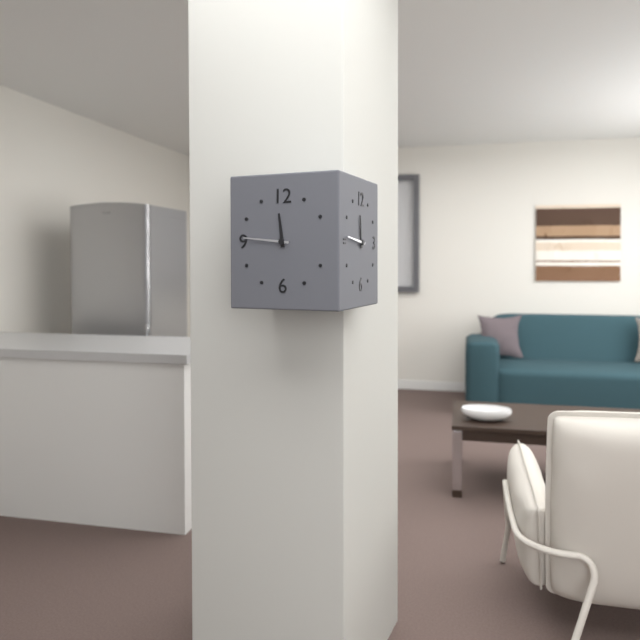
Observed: 11,46
